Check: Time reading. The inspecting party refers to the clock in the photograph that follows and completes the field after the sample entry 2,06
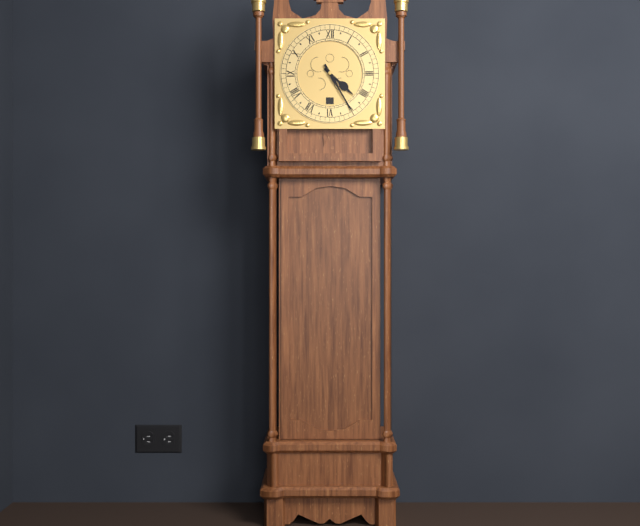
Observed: 4,25
